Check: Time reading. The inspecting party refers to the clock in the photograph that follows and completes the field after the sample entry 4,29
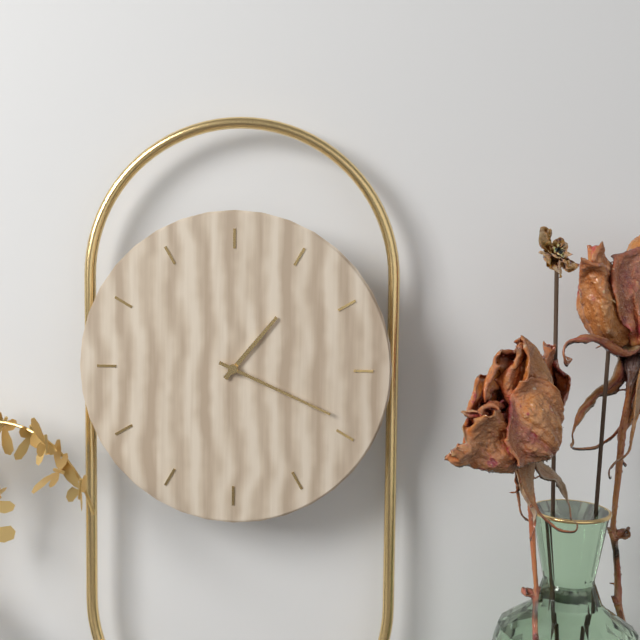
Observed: 1,19
